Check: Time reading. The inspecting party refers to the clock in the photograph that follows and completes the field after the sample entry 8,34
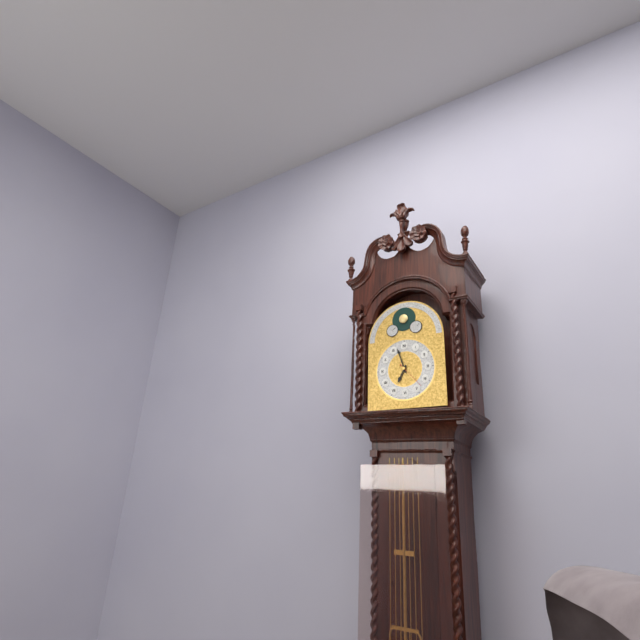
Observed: 6,57
